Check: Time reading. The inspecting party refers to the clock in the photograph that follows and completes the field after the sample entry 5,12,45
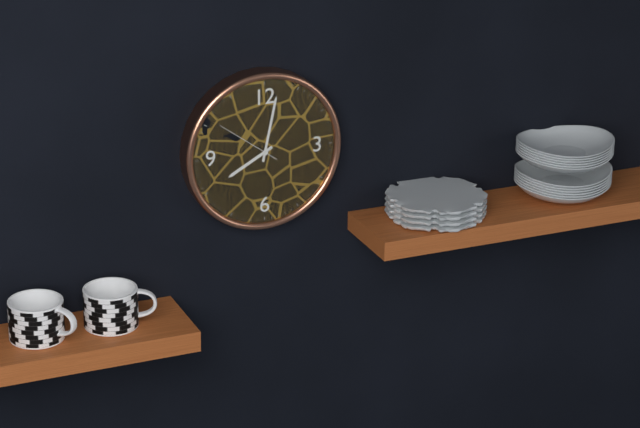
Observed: 8,02,51
